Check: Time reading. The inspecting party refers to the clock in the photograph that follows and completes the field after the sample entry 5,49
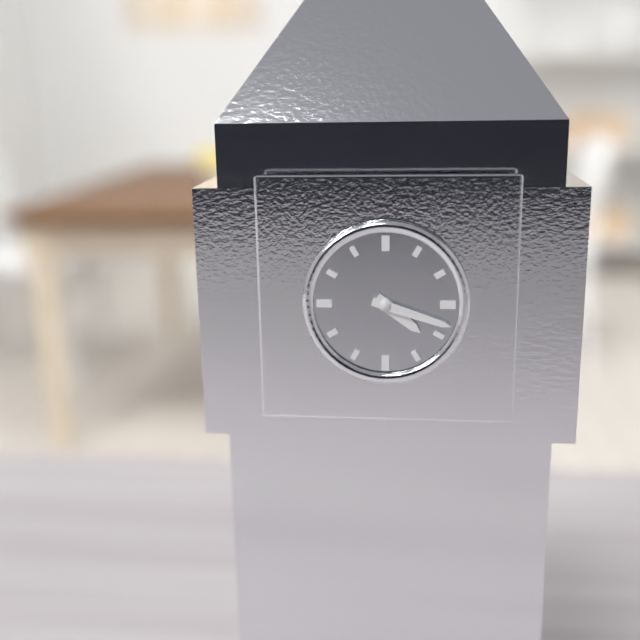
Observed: 4,18
